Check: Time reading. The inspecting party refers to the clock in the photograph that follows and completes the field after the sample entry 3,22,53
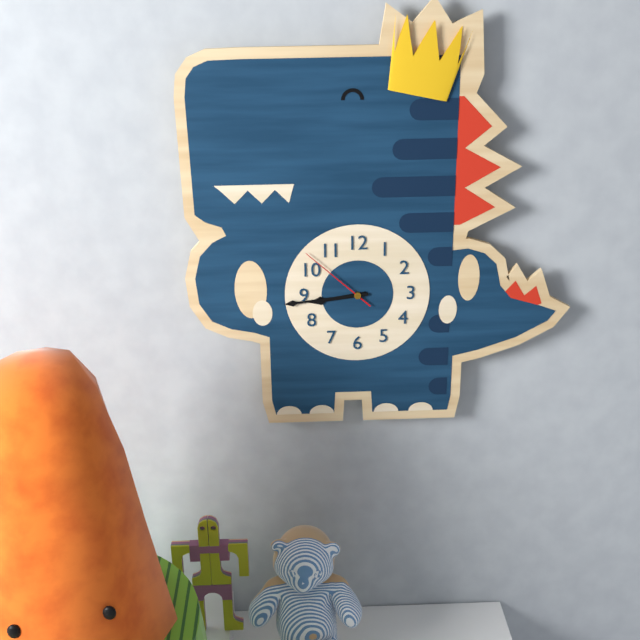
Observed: 8,44,52
